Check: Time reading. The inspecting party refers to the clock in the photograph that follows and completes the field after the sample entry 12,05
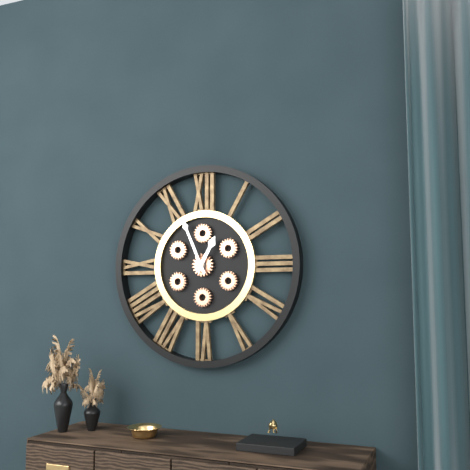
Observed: 12,56
